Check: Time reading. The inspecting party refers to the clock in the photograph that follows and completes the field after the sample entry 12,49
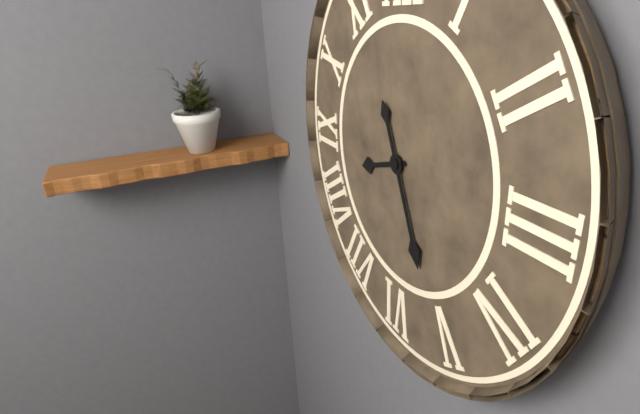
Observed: 8,26
